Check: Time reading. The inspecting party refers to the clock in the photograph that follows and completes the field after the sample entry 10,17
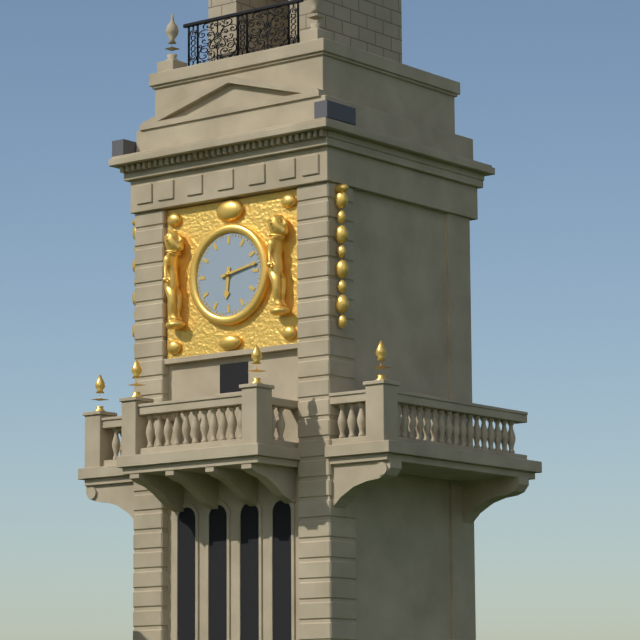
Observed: 6,13
